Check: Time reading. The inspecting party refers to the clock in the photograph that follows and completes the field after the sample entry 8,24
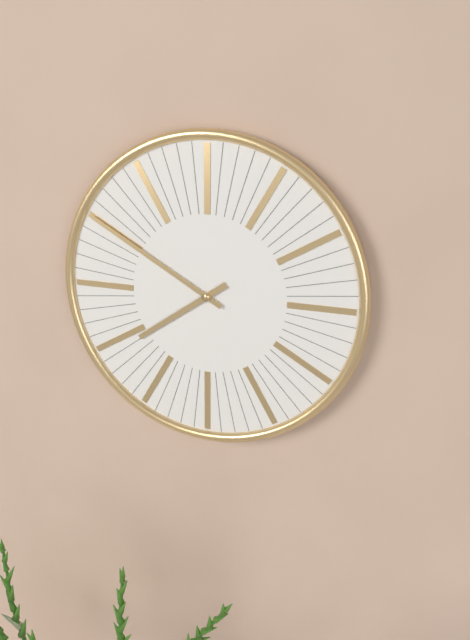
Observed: 7,50
